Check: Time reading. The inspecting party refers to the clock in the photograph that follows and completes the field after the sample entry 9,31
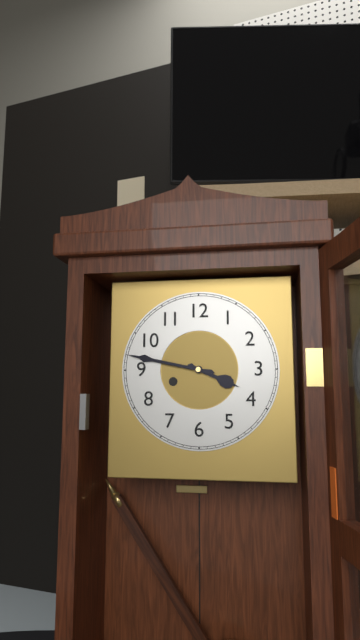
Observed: 3,47
